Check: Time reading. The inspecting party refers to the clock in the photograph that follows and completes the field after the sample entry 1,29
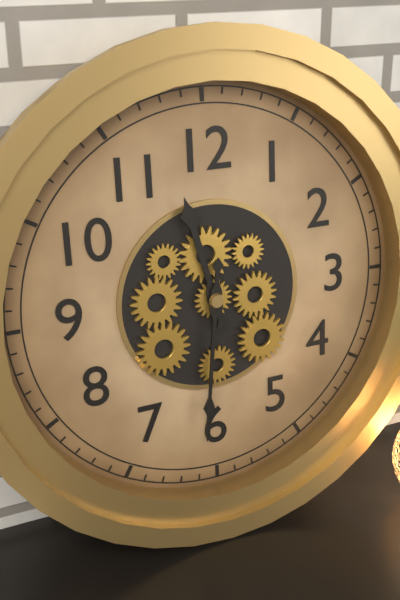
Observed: 11,31
